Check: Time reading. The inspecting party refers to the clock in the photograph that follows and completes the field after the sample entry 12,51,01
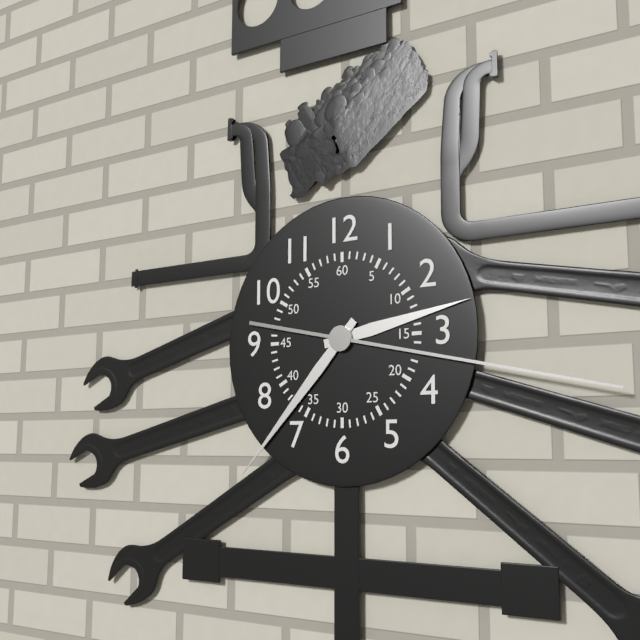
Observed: 2,37,17
